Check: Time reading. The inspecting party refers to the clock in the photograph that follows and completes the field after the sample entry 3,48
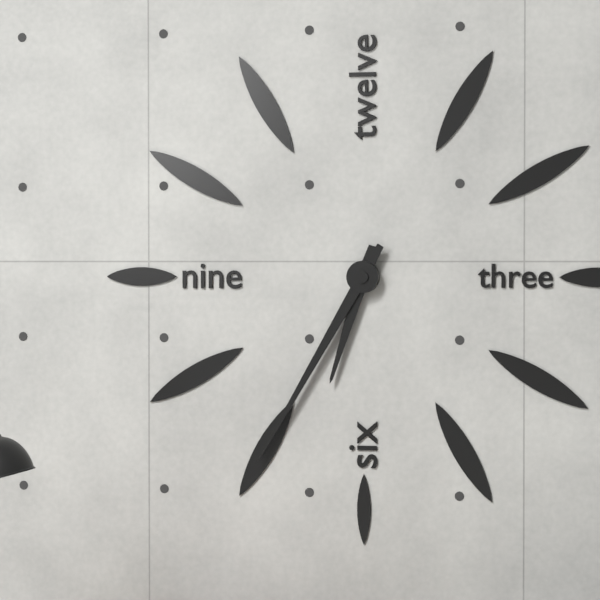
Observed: 6,35
